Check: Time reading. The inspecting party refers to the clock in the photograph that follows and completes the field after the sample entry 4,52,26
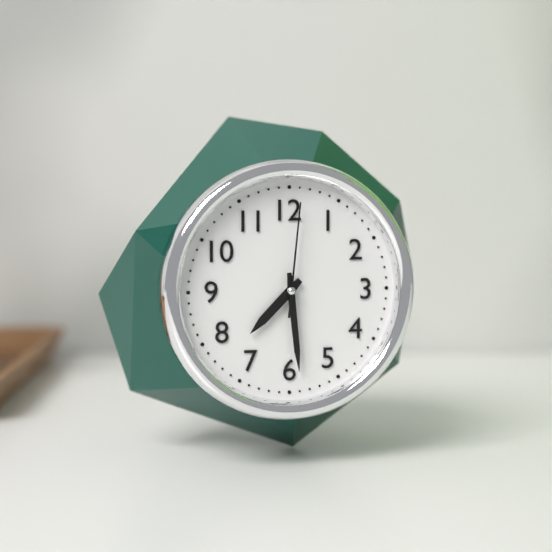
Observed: 7,29,01
